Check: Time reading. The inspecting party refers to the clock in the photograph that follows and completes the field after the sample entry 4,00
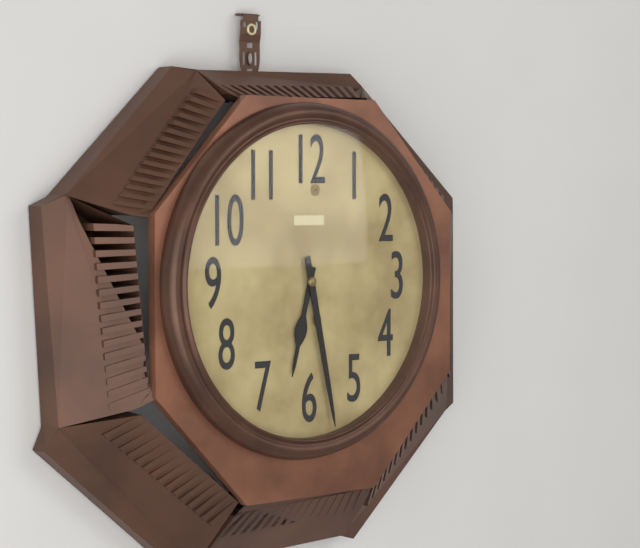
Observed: 6,28
